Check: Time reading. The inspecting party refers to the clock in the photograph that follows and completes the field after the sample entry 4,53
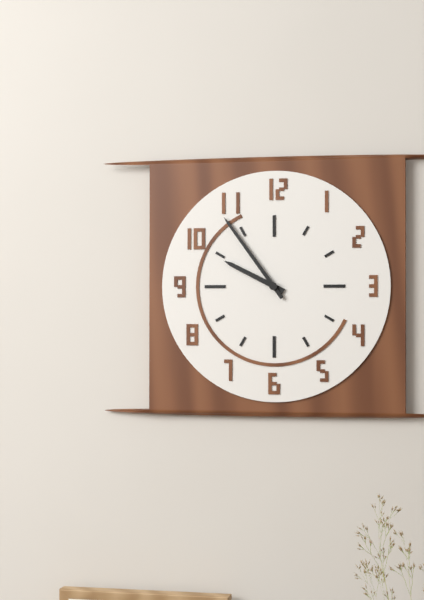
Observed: 9,54
